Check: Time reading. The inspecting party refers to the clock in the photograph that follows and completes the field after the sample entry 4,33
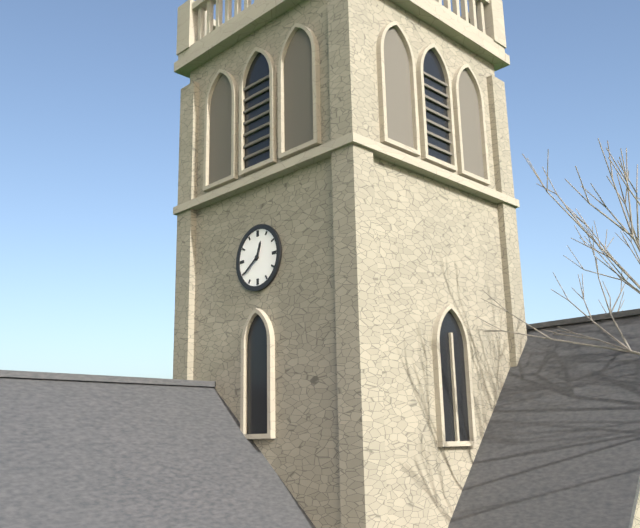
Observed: 12,39
